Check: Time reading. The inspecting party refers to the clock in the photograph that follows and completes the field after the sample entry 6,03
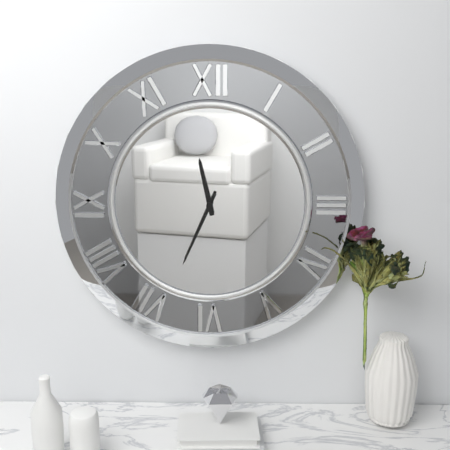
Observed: 11,34
